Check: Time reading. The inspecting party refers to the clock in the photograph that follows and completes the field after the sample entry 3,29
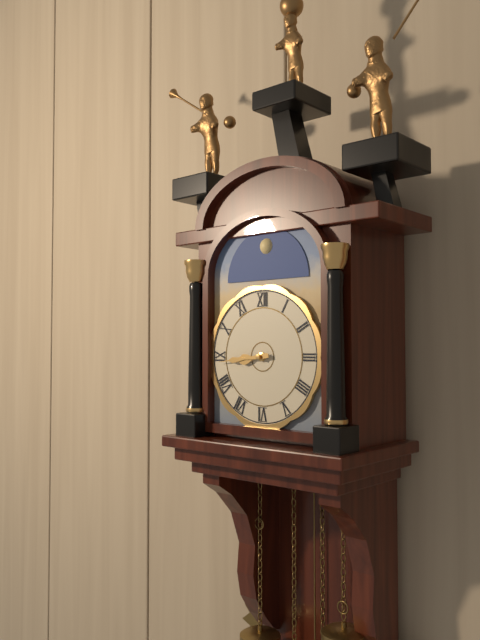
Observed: 8,44
